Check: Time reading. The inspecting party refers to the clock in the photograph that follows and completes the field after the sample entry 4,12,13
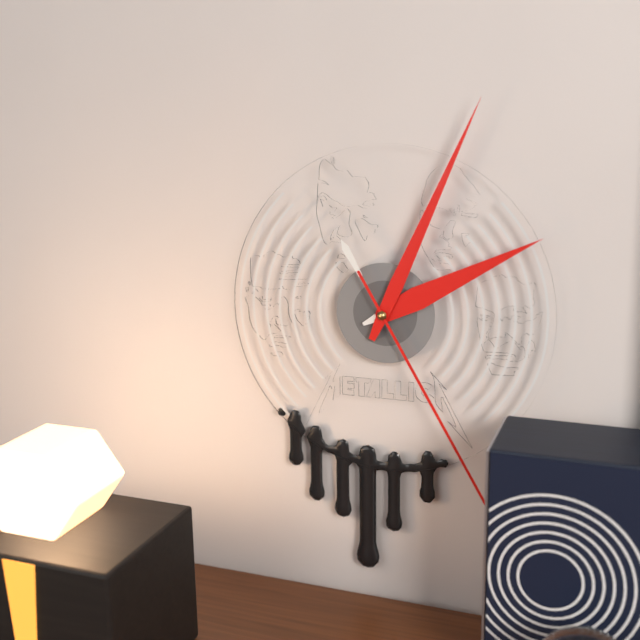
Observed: 2,04,25
